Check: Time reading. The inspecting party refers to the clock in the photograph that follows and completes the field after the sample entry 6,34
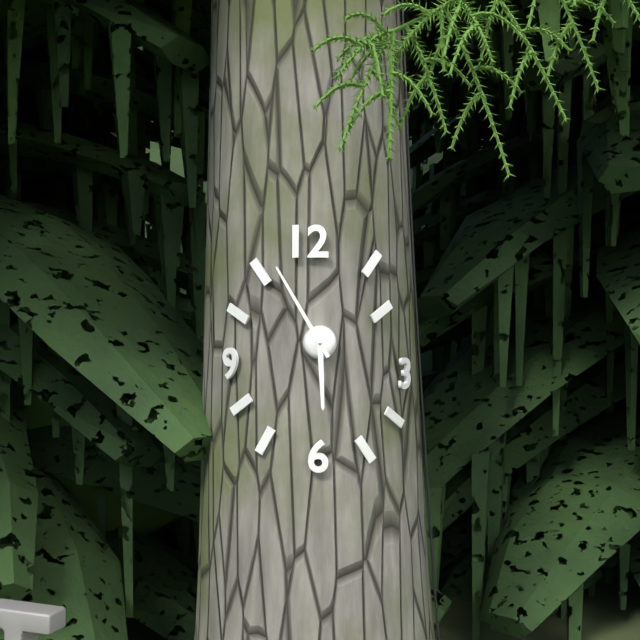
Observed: 5,55
